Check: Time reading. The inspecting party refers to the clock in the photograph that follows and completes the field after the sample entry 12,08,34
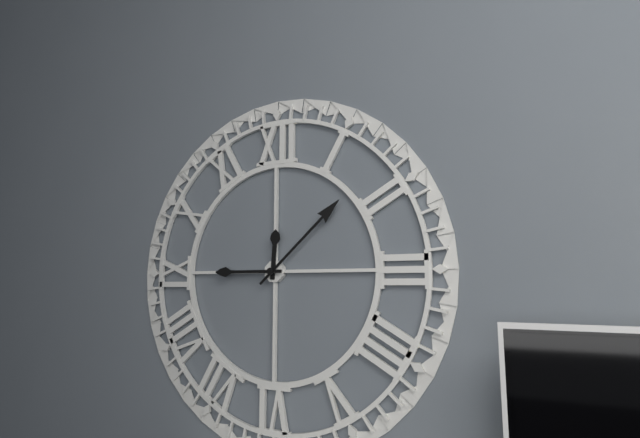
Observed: 12,08,45
